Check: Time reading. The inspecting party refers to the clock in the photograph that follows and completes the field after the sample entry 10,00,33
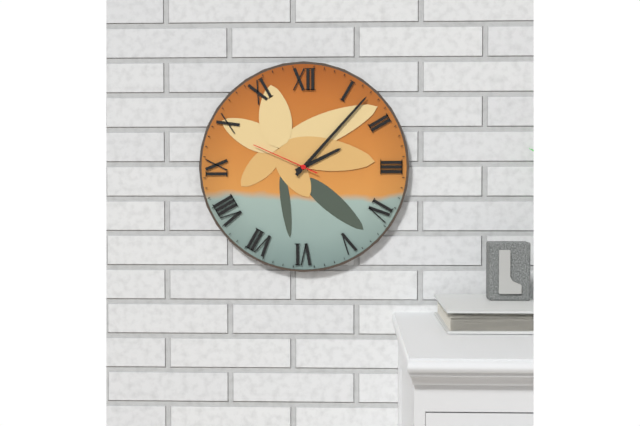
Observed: 2,07,49
